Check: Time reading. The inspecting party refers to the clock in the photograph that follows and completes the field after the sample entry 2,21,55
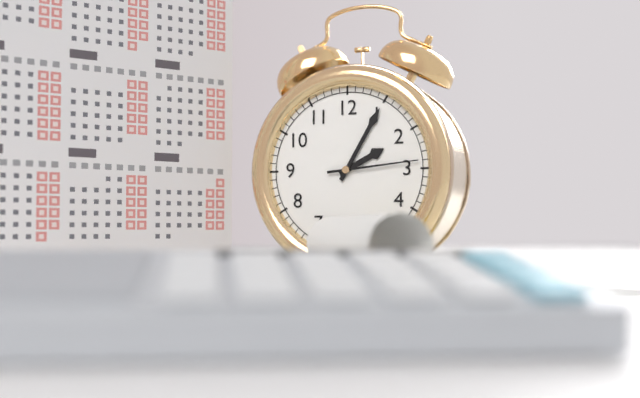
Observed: 2,05,14
